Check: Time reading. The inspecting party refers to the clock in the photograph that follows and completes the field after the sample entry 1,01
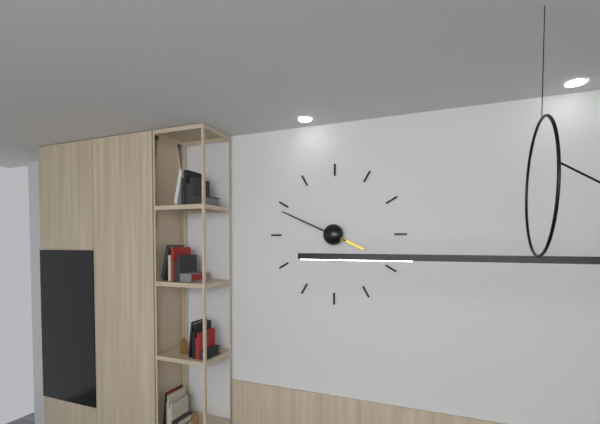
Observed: 3,49
